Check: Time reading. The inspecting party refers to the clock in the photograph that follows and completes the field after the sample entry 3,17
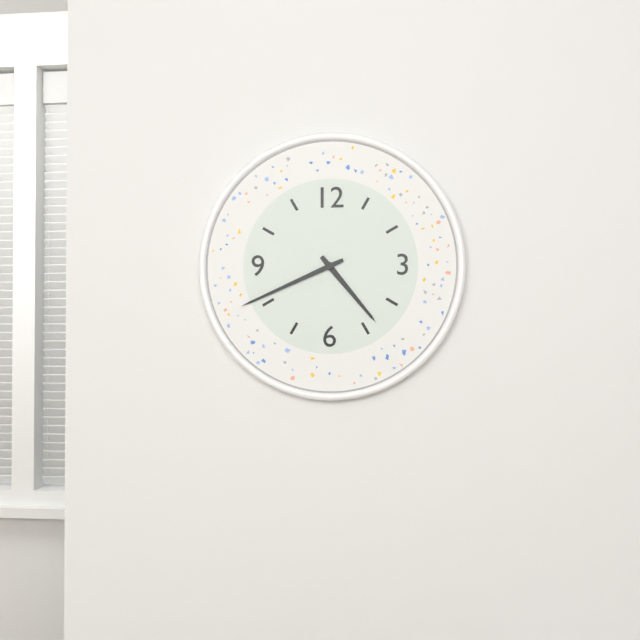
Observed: 4,41
